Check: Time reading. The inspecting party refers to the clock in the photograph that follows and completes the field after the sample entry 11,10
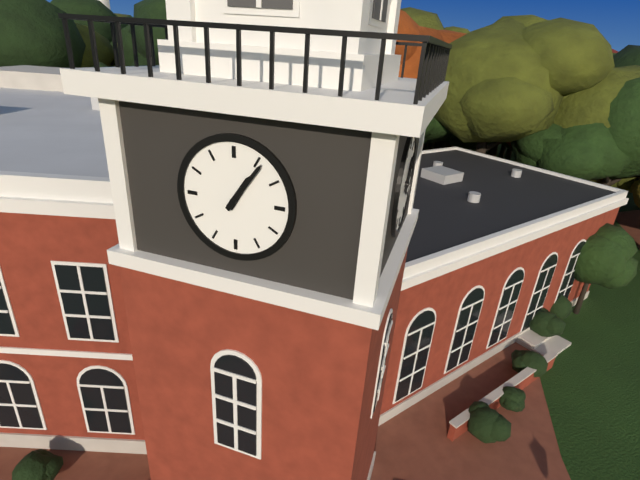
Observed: 1,06
